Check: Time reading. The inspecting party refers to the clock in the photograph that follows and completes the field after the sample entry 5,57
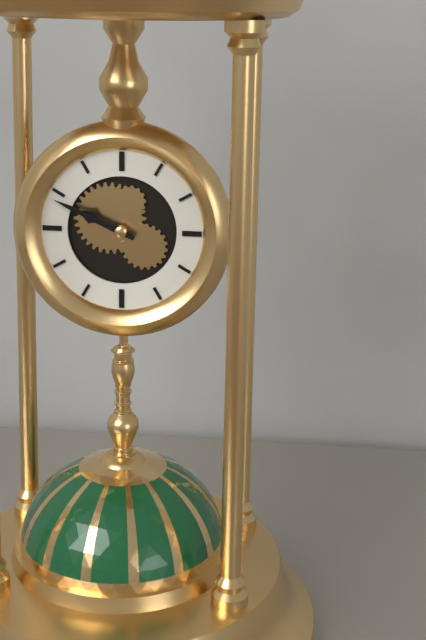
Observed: 9,49
